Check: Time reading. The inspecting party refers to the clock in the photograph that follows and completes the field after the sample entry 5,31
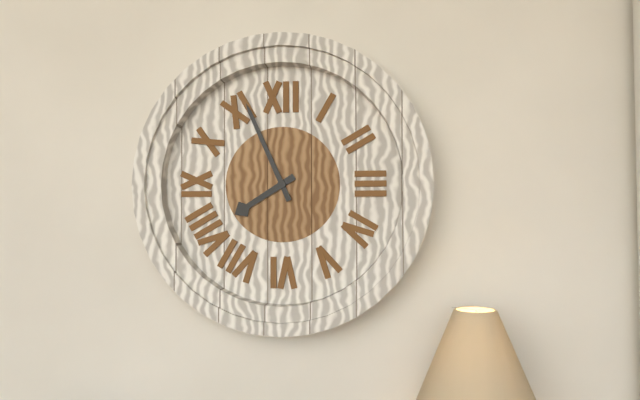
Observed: 7,56
